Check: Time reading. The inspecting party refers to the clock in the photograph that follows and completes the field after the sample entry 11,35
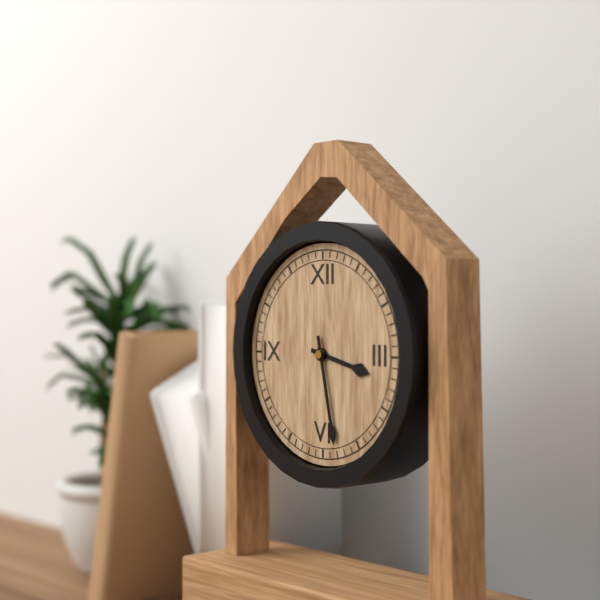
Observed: 3,28
